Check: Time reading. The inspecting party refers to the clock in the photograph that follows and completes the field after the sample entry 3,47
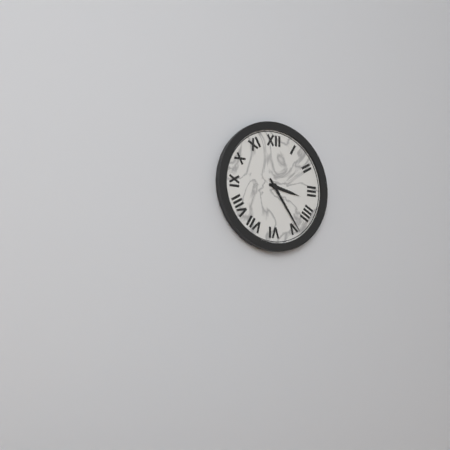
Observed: 3,24
